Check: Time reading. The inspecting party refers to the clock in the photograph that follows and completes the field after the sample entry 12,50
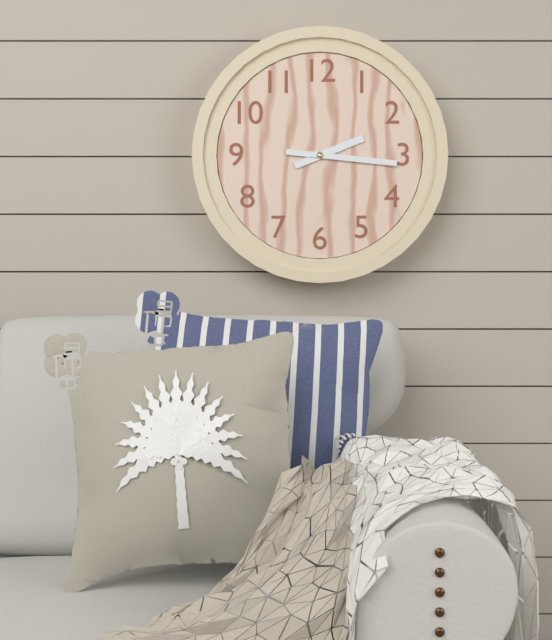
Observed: 2,16
